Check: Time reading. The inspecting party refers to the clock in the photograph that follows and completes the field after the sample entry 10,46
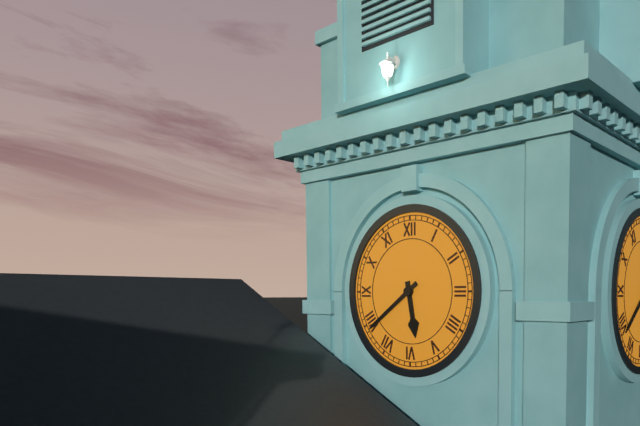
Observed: 5,39
